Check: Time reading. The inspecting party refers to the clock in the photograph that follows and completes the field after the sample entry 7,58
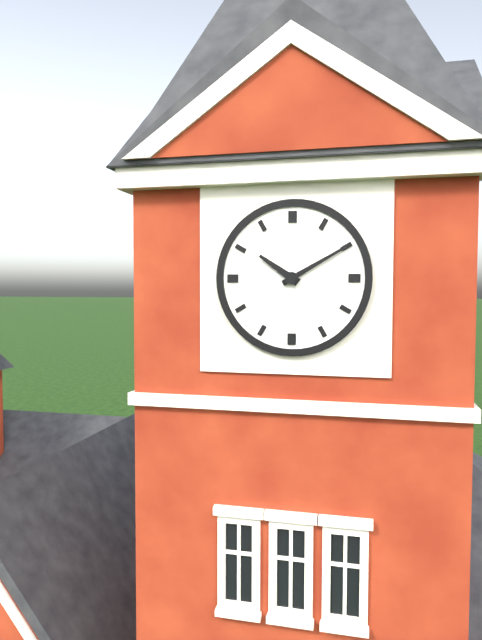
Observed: 10,10
